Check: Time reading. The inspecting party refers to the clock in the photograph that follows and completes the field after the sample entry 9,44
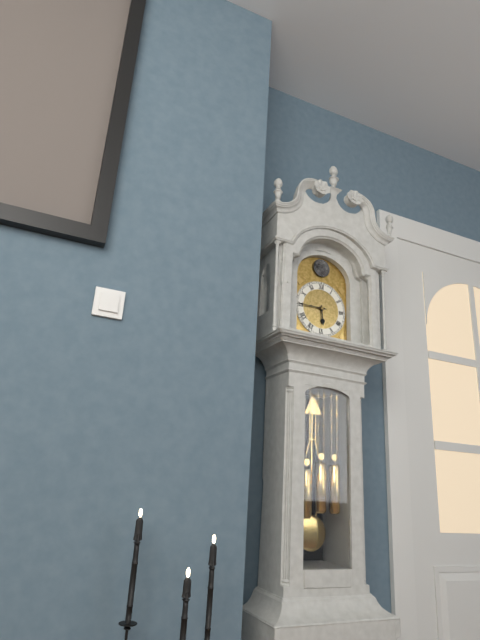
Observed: 5,45
